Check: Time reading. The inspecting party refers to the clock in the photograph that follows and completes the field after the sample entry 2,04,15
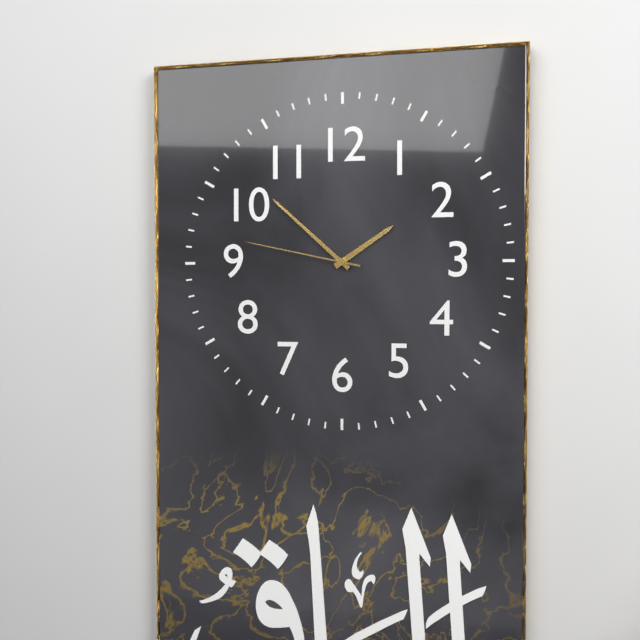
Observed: 1,52,47
